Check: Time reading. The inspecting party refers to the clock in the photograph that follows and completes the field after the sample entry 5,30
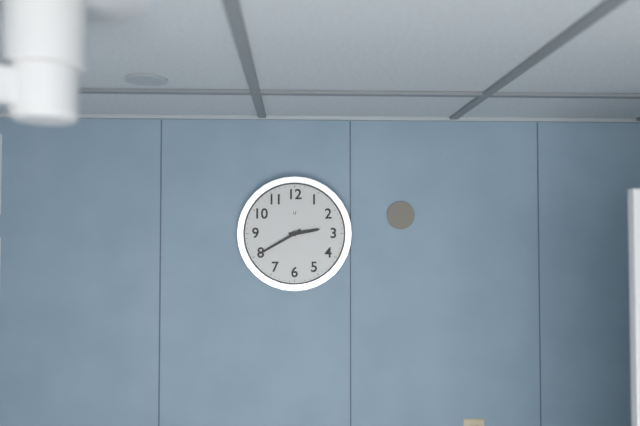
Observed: 2,40
